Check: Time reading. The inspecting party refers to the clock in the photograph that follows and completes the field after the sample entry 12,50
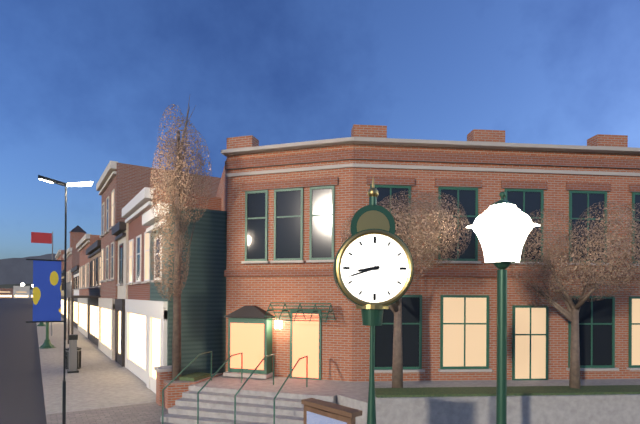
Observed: 8,42
